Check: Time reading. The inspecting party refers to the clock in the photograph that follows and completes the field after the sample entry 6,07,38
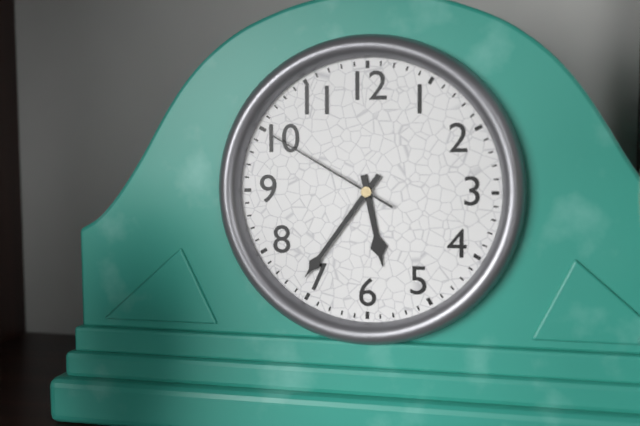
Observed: 5,36,50
